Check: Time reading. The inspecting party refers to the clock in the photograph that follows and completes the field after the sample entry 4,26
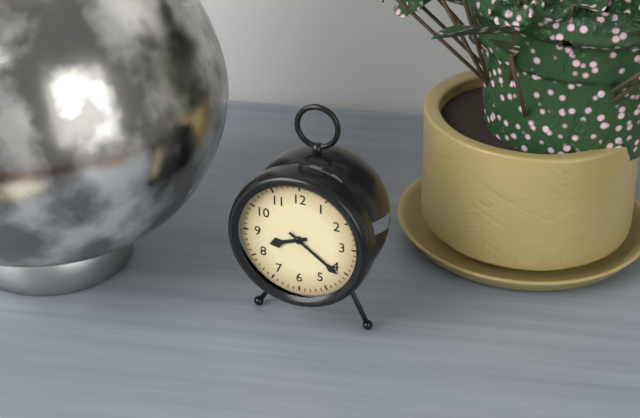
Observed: 8,21
